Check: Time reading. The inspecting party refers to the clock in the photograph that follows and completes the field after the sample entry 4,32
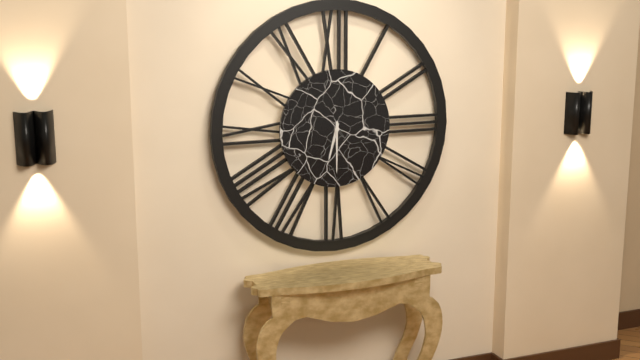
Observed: 6,30
